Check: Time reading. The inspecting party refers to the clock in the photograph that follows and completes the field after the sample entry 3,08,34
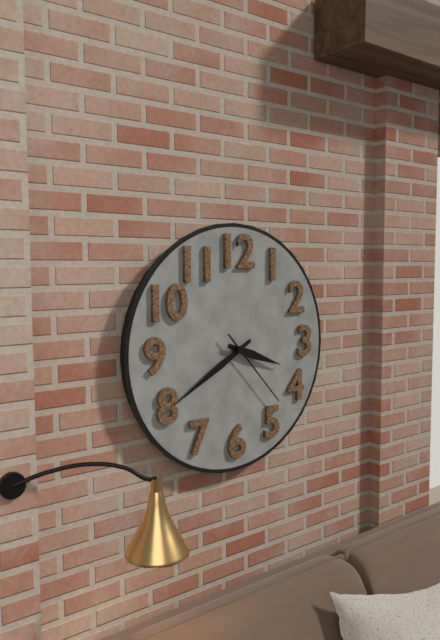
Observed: 3,40,23
